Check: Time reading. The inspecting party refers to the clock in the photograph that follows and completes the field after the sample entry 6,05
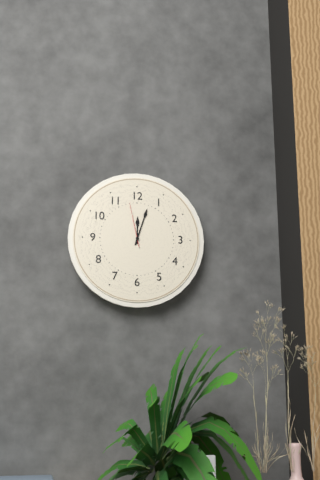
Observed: 12,03
